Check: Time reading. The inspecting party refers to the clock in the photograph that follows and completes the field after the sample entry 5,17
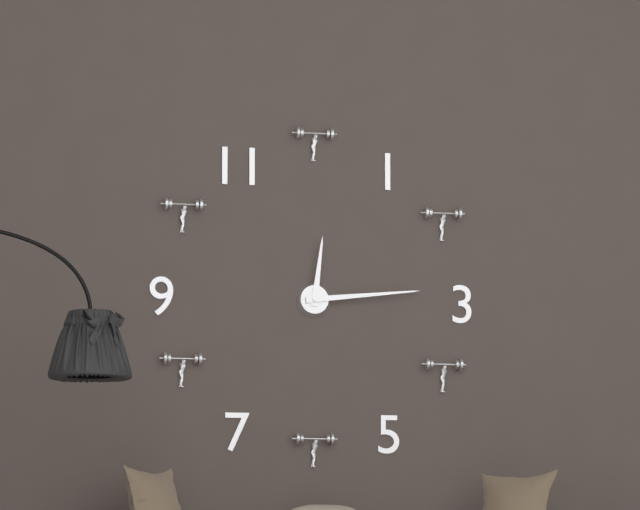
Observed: 12,14
